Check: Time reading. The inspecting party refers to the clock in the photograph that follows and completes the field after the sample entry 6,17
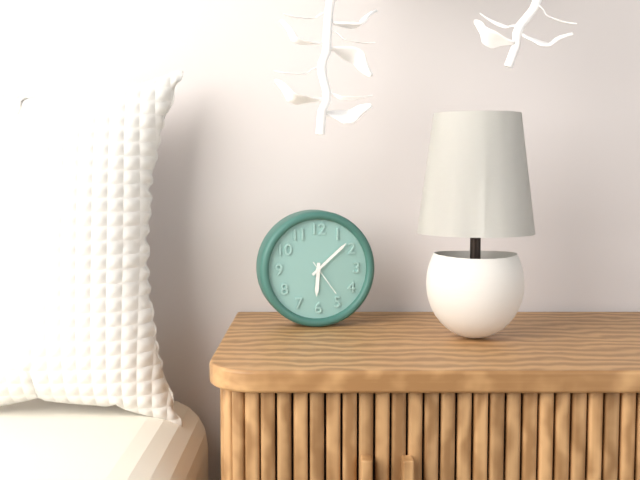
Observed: 6,08
